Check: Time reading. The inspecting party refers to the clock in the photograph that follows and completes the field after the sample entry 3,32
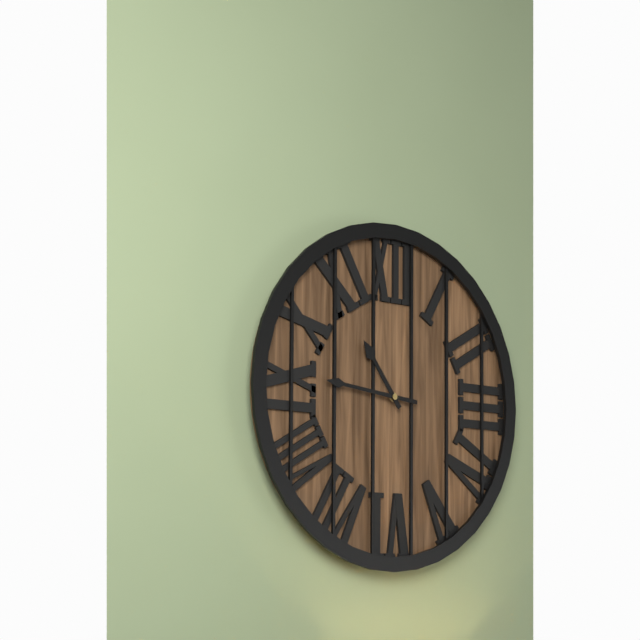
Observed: 10,46
